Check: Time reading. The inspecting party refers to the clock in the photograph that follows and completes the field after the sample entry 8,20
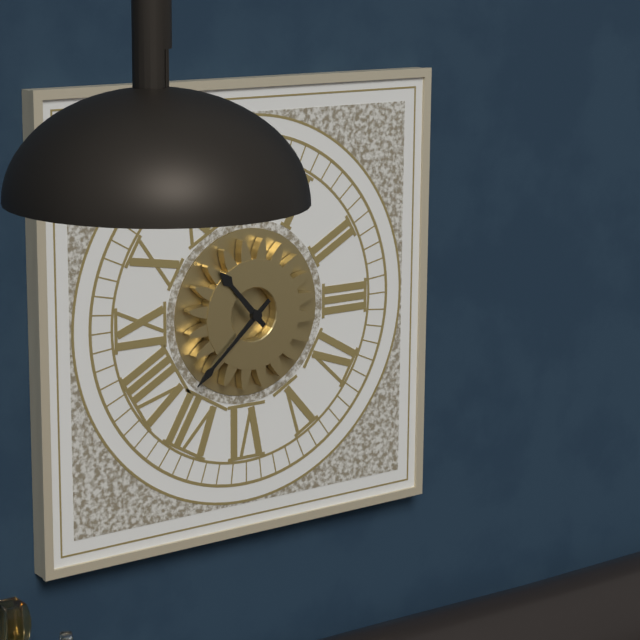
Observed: 10,38
